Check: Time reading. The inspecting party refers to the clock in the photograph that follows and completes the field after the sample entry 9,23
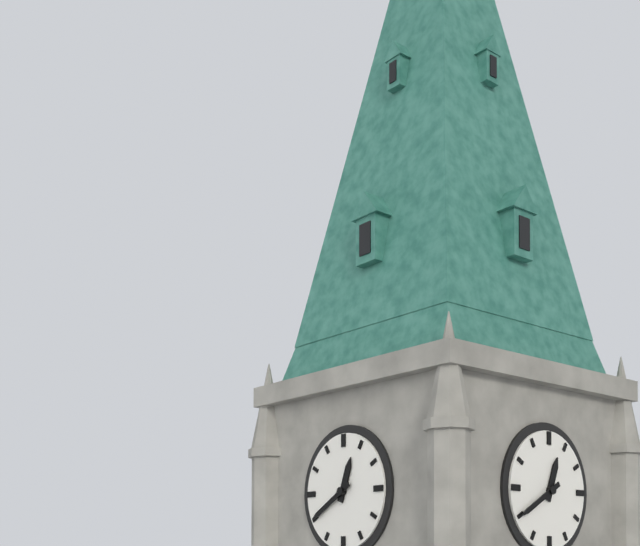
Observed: 12,40
